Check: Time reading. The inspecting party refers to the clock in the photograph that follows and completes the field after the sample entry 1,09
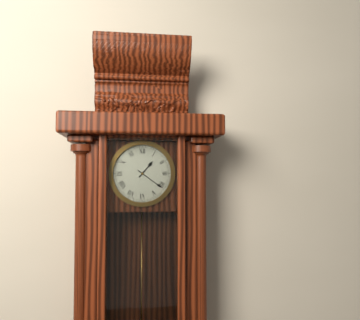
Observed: 1,21
